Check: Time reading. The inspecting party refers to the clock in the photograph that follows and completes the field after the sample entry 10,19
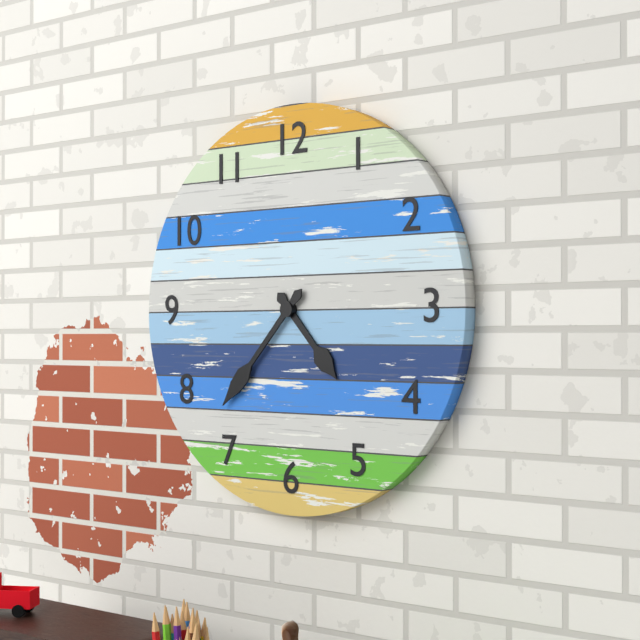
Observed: 4,37
